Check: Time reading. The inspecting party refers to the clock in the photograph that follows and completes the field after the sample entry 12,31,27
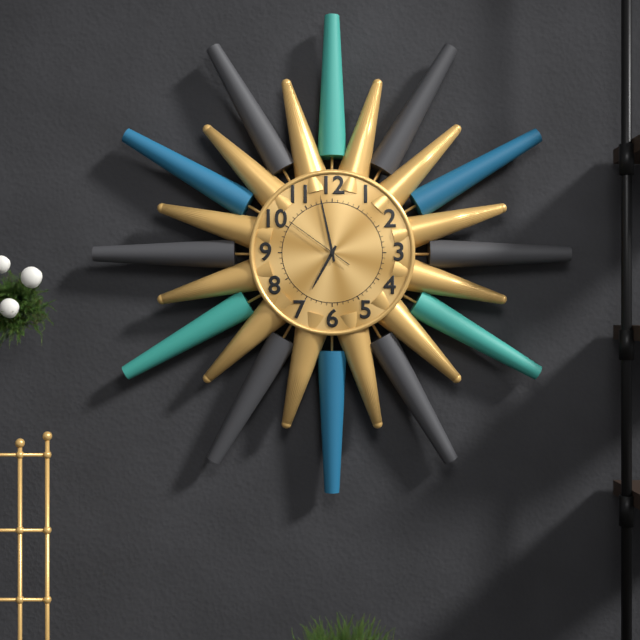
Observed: 6,58,51
